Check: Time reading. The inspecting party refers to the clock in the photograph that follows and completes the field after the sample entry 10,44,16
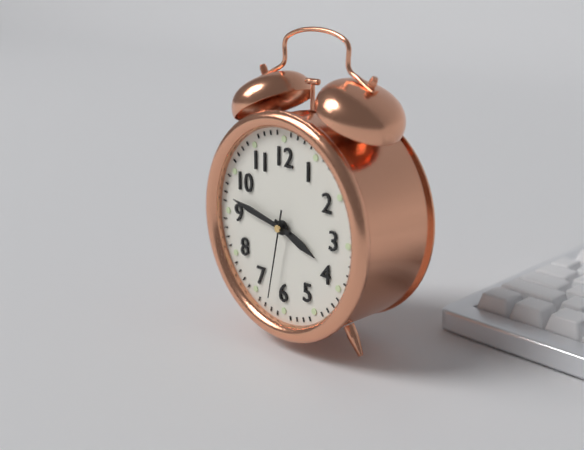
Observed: 3,47,32
